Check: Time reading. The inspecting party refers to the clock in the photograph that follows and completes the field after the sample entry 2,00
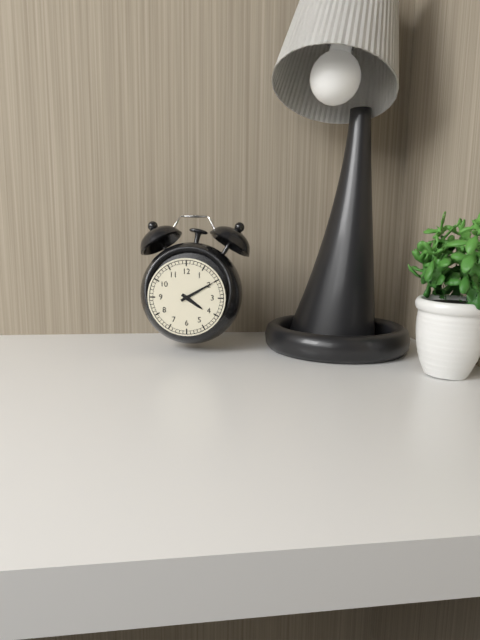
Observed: 4,10
